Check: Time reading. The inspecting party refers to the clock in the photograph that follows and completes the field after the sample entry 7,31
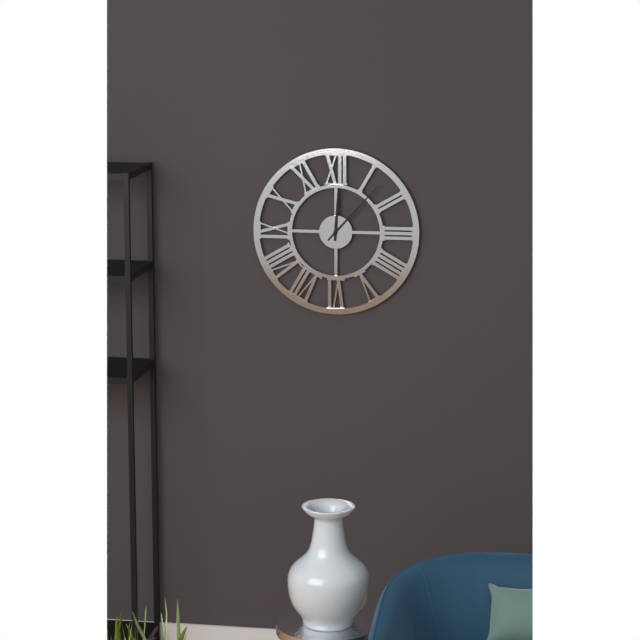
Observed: 12,07
